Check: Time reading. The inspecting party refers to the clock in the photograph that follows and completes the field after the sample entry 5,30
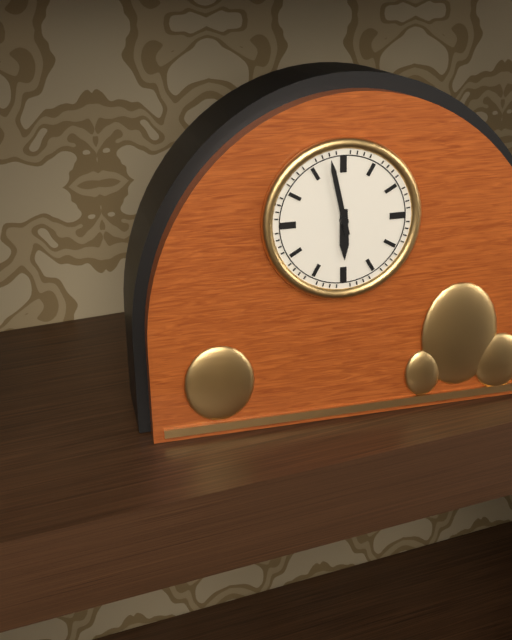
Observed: 5,58
